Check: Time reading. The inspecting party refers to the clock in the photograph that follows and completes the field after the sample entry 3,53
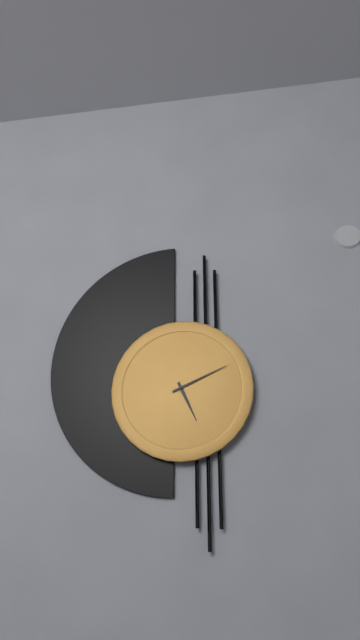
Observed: 5,11
